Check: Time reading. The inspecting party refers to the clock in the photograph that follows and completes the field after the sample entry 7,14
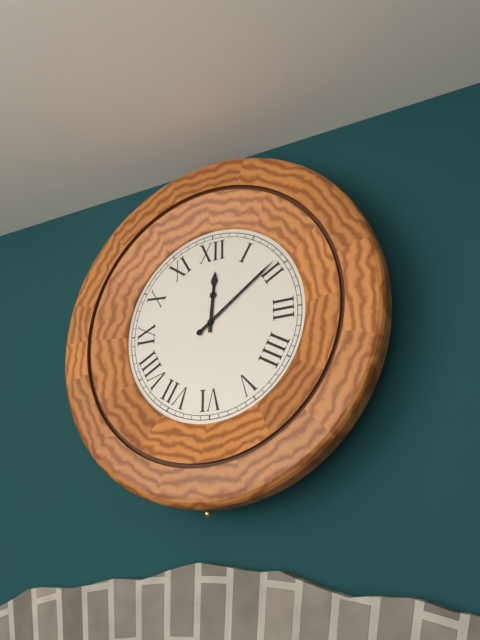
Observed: 12,09
